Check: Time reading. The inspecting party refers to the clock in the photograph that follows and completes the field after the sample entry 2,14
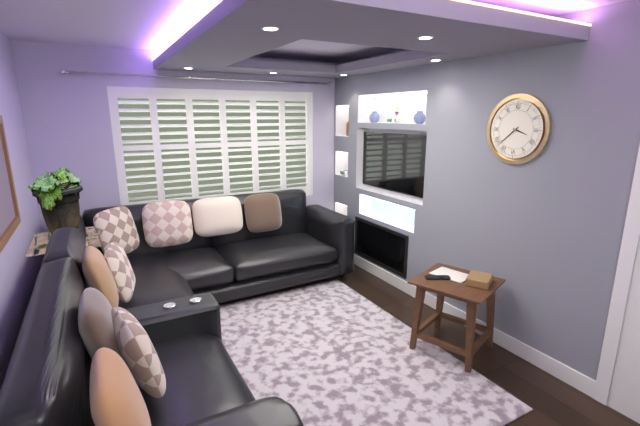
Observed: 3,38
